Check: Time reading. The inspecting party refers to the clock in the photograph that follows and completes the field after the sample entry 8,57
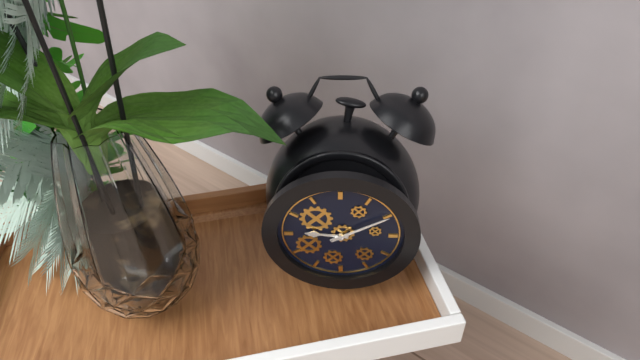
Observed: 9,10
